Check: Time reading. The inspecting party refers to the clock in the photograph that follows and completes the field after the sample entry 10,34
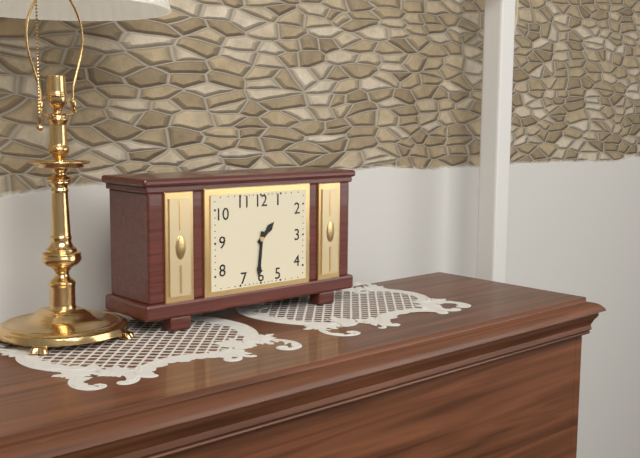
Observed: 1,31
